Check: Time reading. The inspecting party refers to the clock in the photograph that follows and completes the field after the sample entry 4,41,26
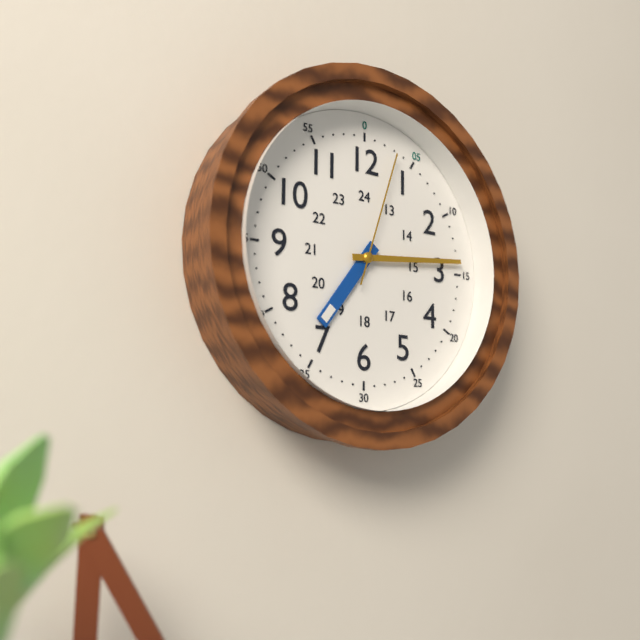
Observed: 7,14,03
